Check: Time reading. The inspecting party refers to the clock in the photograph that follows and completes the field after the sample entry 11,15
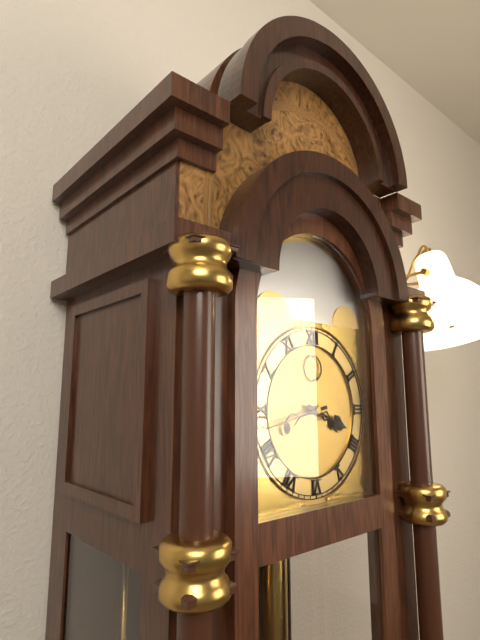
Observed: 3,43
